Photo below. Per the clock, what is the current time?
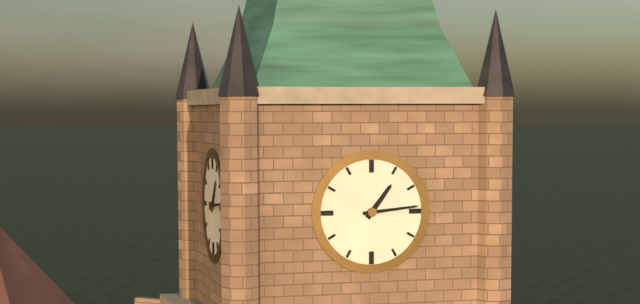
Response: 1:14
